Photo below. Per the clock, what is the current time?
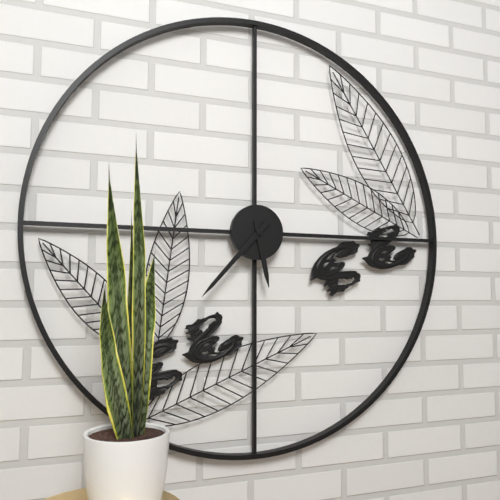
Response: 5:37
